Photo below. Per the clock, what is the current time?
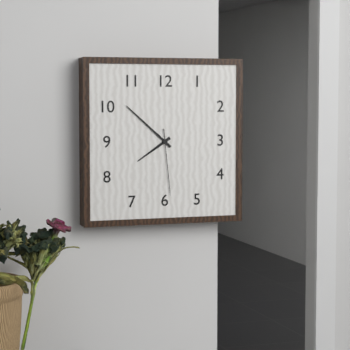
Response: 7:52:29
